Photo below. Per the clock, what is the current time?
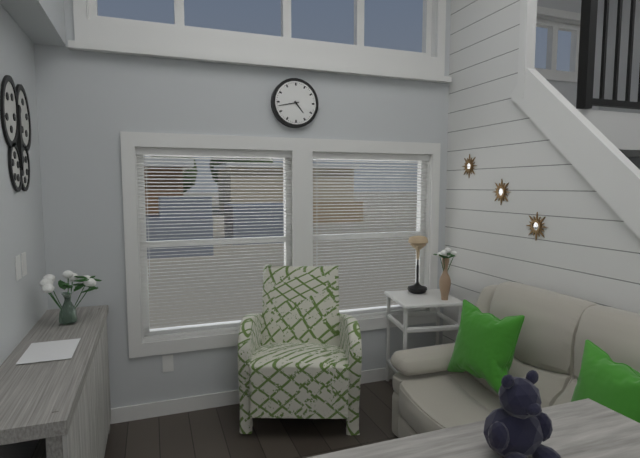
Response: 4:43
